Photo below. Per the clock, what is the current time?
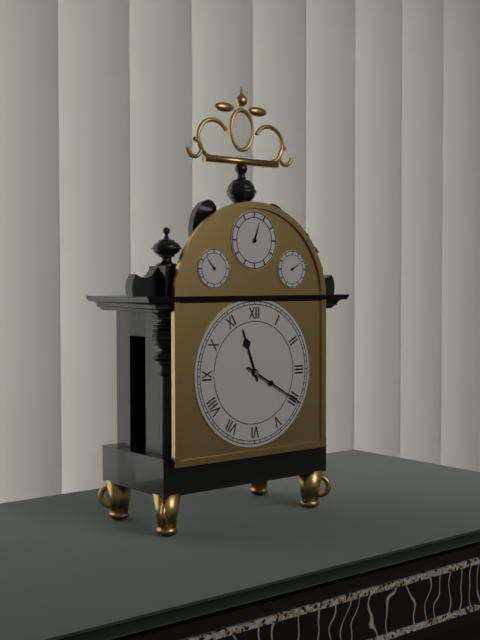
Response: 11:20
